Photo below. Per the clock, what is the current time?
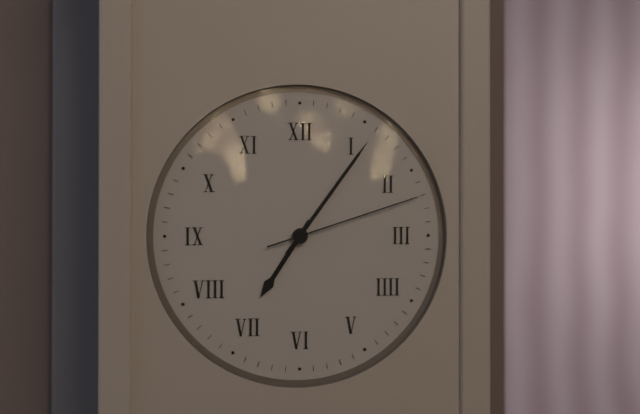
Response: 7:06:12
